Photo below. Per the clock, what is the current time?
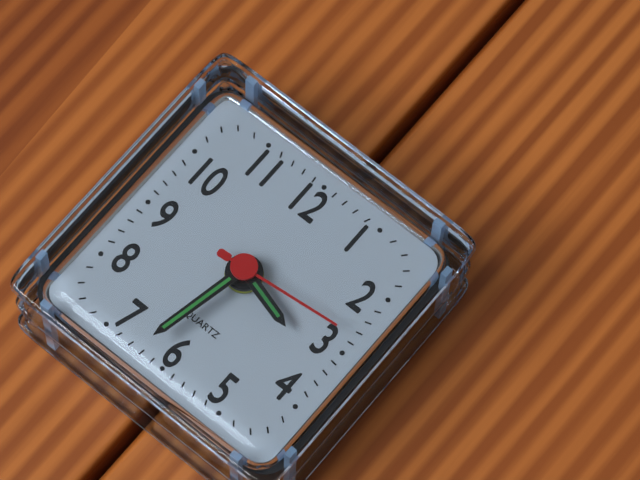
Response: 3:32:14
